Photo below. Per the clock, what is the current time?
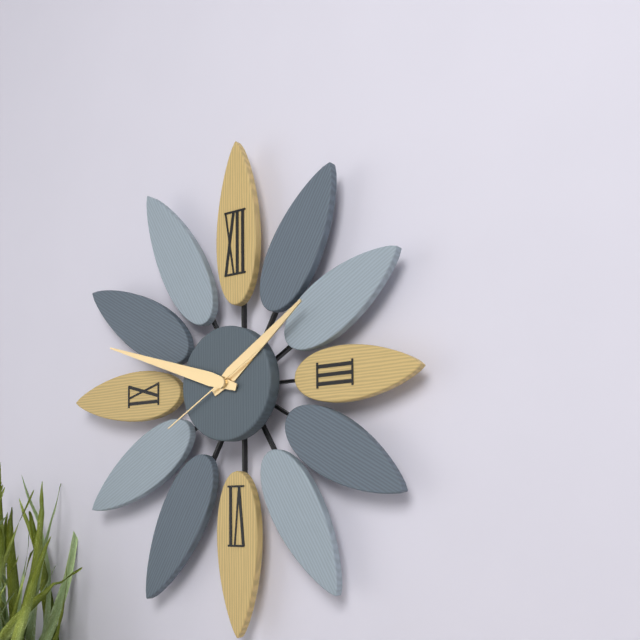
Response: 1:48:40
